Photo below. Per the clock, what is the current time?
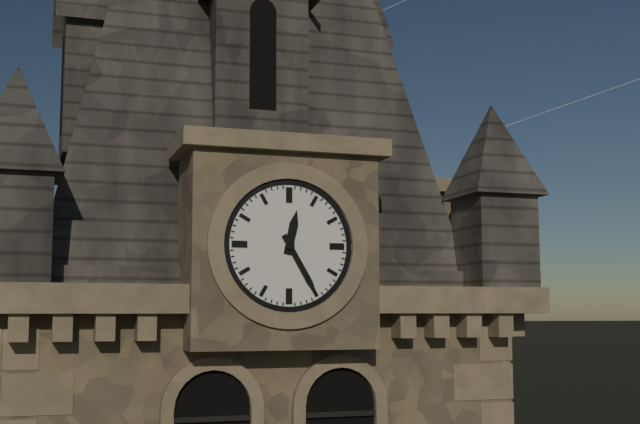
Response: 12:25
